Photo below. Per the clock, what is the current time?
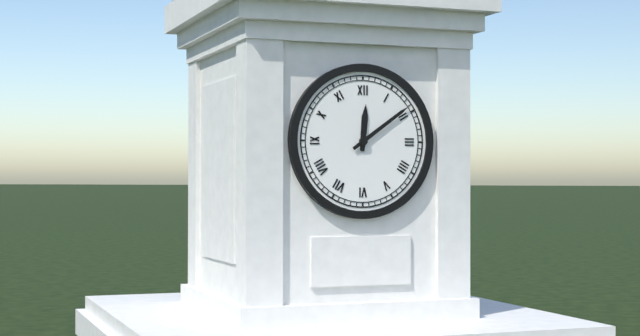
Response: 12:09
